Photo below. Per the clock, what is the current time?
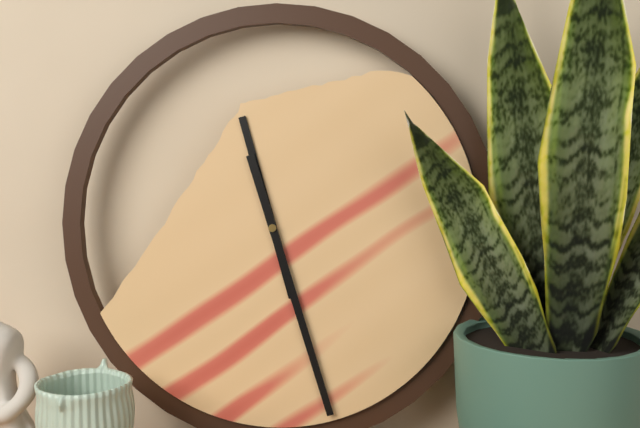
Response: 11:27
